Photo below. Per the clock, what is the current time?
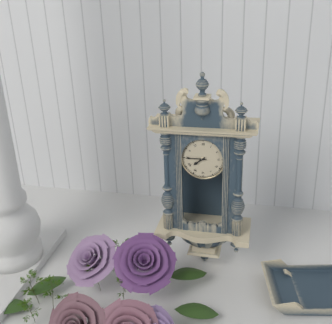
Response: 7:45
